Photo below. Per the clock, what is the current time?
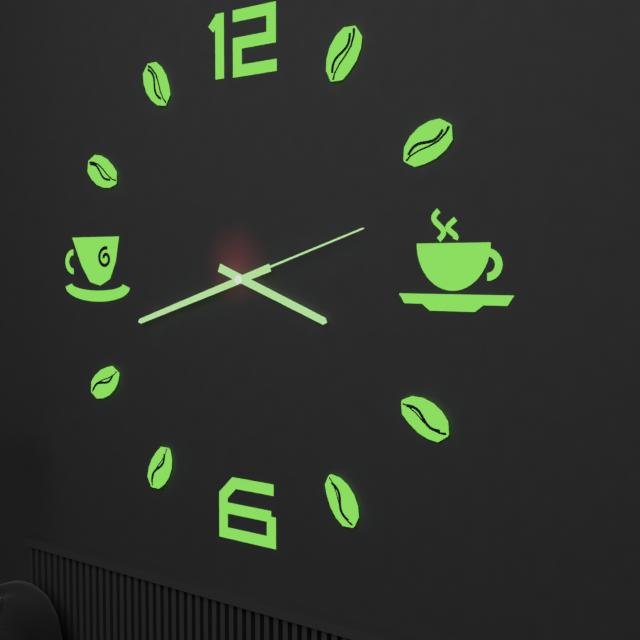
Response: 3:42:12
